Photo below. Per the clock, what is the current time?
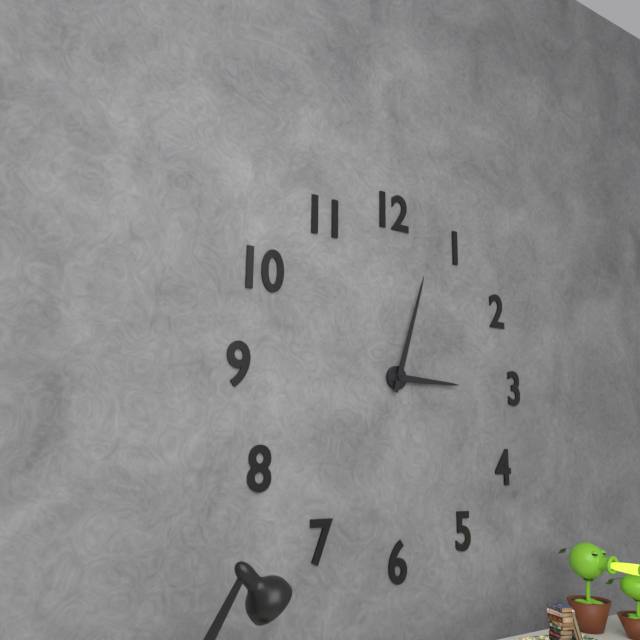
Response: 3:03
